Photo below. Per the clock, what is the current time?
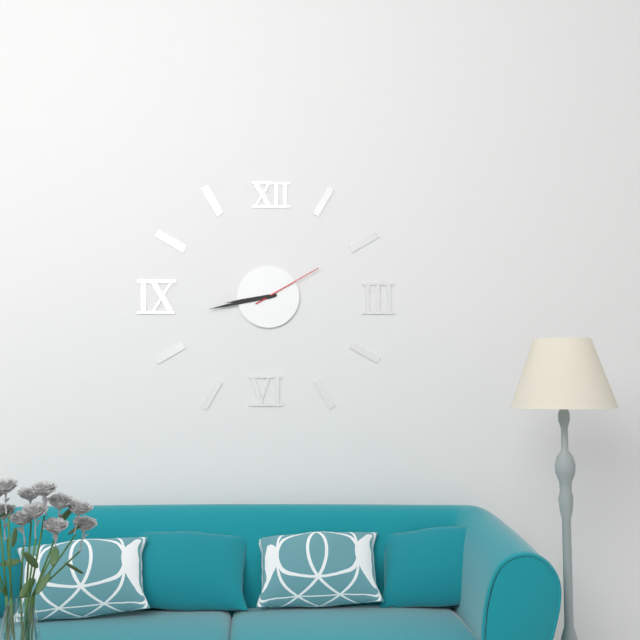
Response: 8:43:10
